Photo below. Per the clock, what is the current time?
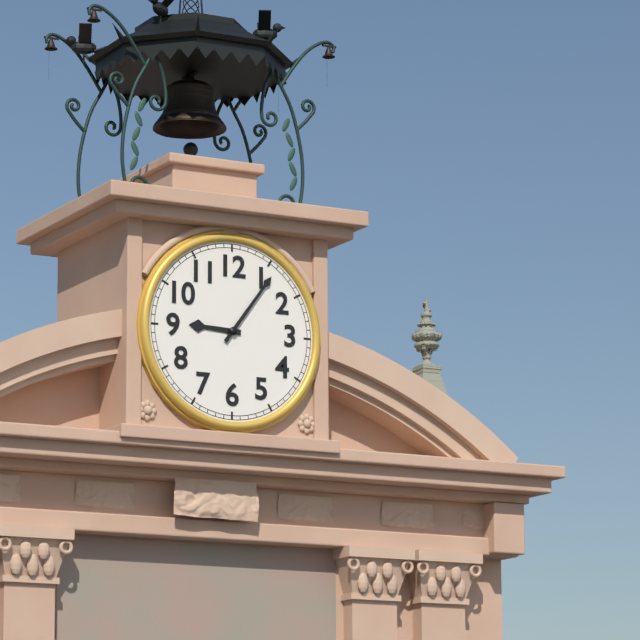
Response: 9:06
